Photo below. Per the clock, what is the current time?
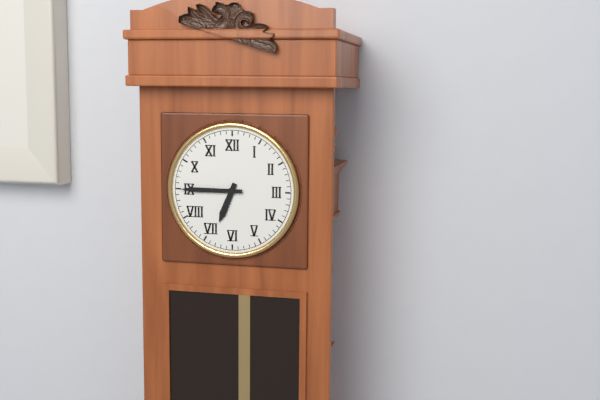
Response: 6:45
